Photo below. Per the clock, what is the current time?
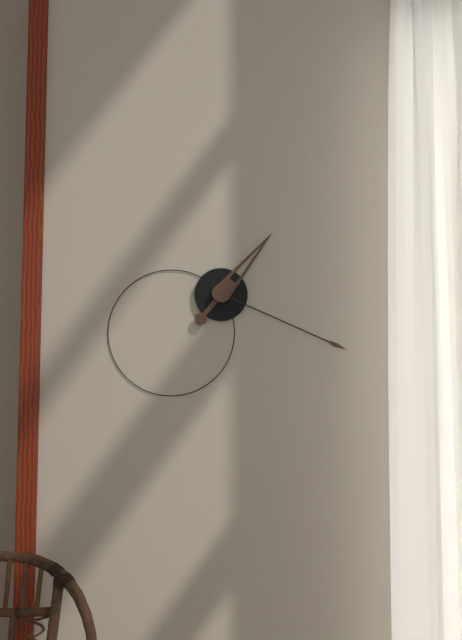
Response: 1:19
